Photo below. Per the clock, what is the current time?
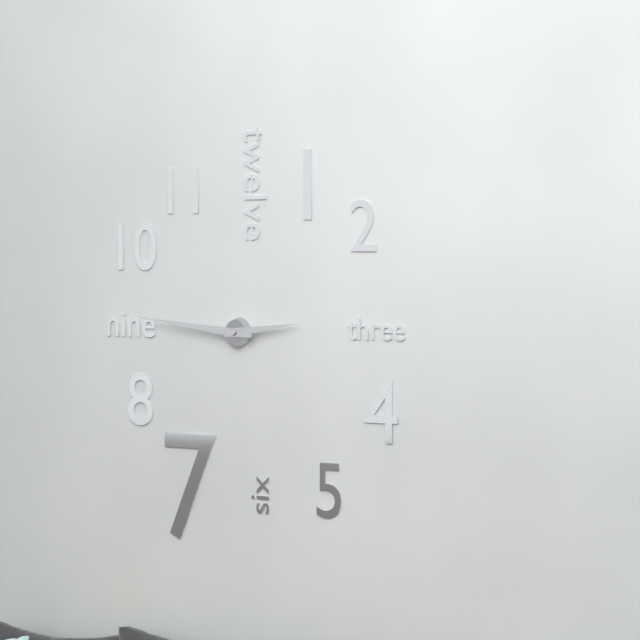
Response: 2:46
